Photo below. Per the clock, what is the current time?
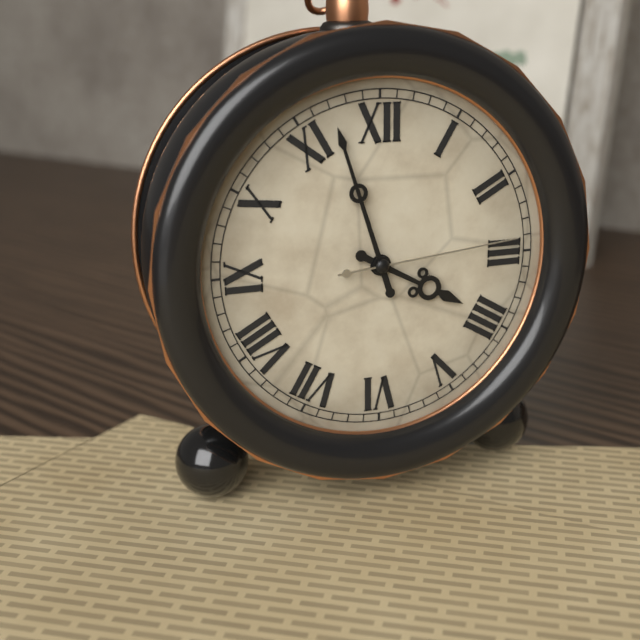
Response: 3:57:14
